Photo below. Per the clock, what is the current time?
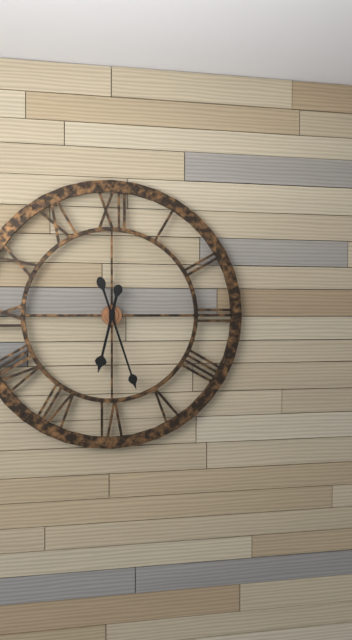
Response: 6:27
